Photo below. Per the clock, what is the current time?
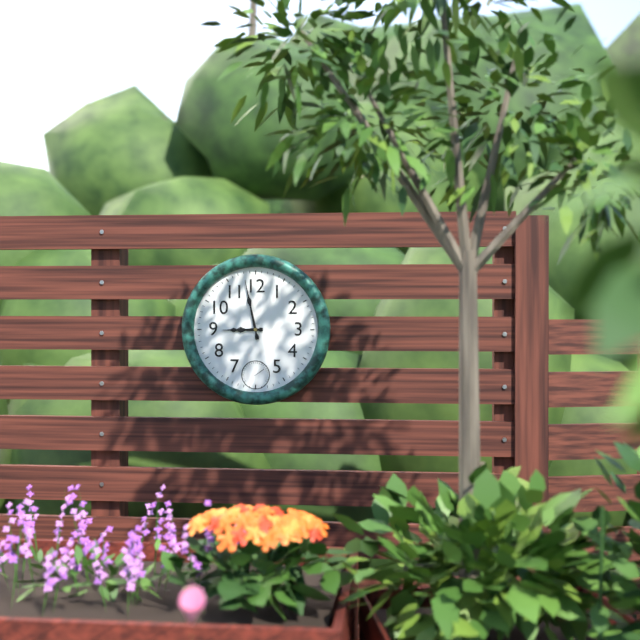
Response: 8:58
